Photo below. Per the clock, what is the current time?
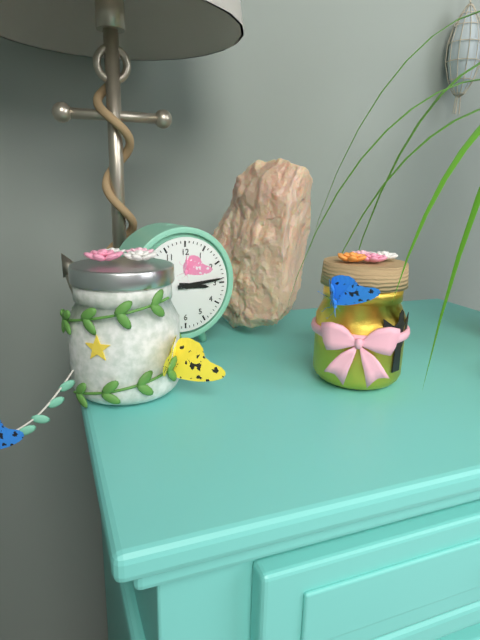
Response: 3:14
